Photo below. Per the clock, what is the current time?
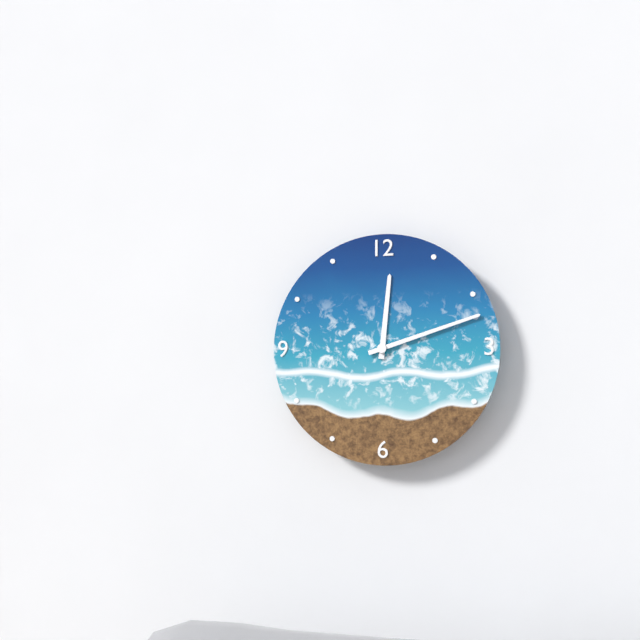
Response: 12:12
